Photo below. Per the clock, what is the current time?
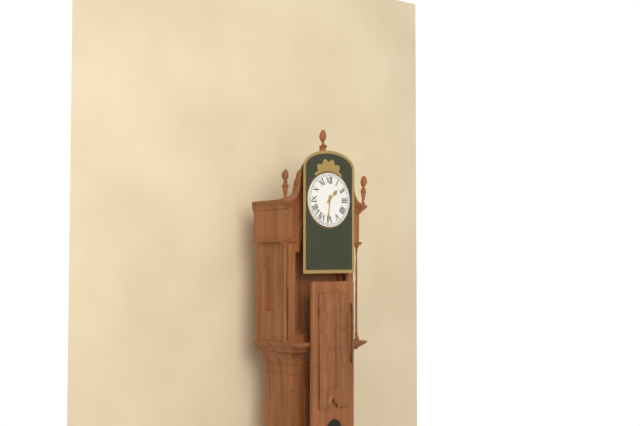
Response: 1:31
